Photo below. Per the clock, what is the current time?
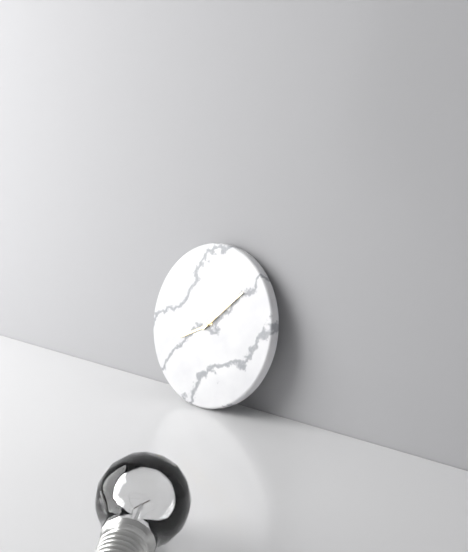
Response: 8:08
